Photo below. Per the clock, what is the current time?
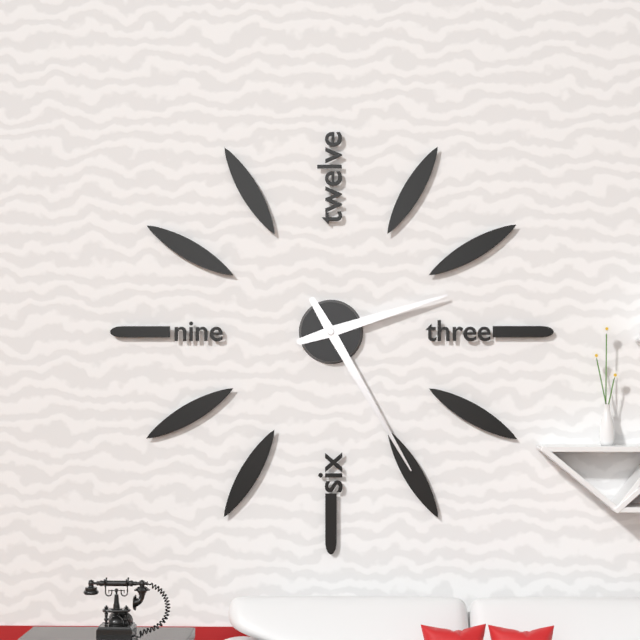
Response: 2:25
